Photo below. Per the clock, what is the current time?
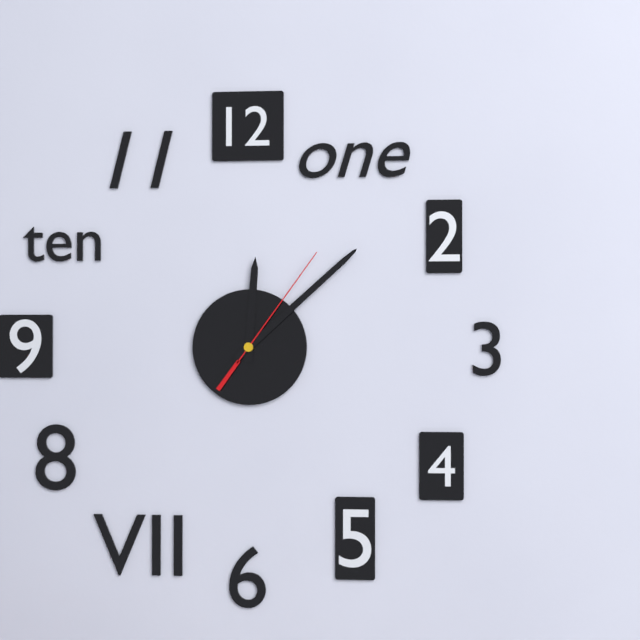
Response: 12:08:06
